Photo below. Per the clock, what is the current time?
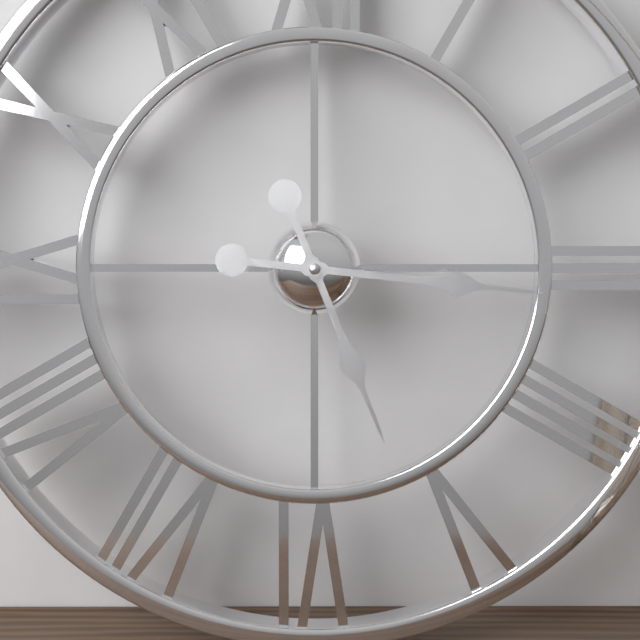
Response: 5:16
